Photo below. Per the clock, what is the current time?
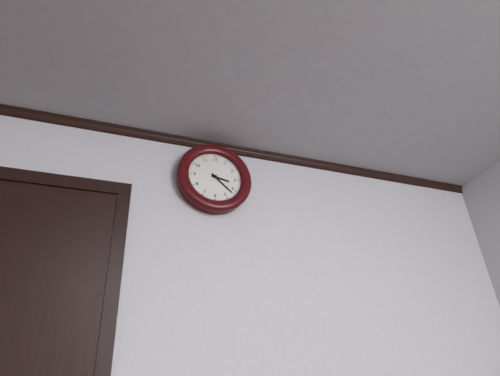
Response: 3:22
